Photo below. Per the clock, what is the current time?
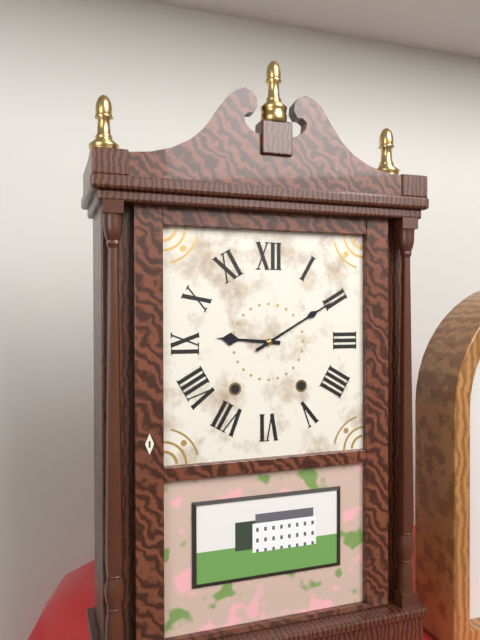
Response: 9:10
